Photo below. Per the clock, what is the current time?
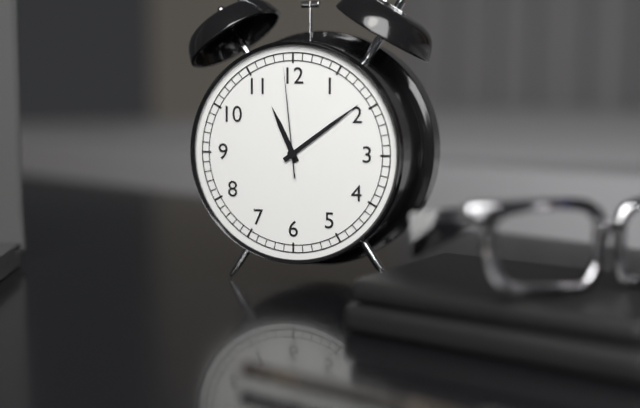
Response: 11:09:59
